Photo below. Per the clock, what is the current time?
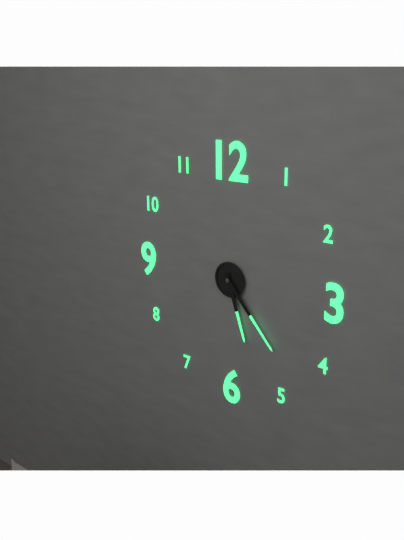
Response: 5:23
